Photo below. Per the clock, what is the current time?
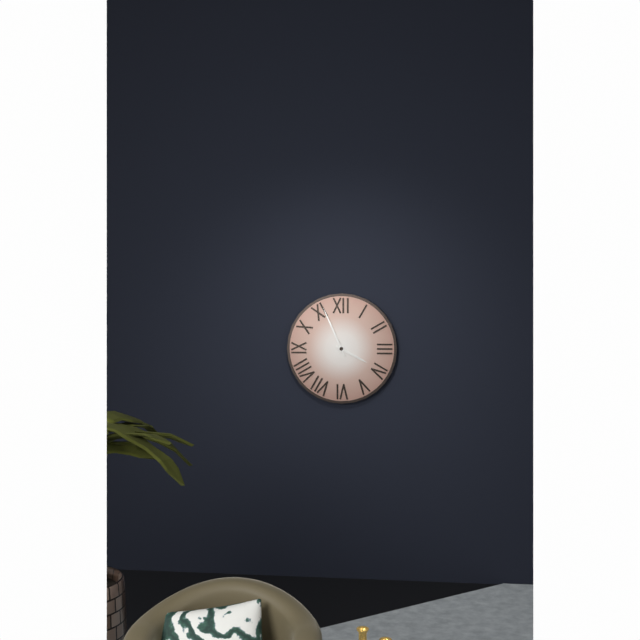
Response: 3:56
